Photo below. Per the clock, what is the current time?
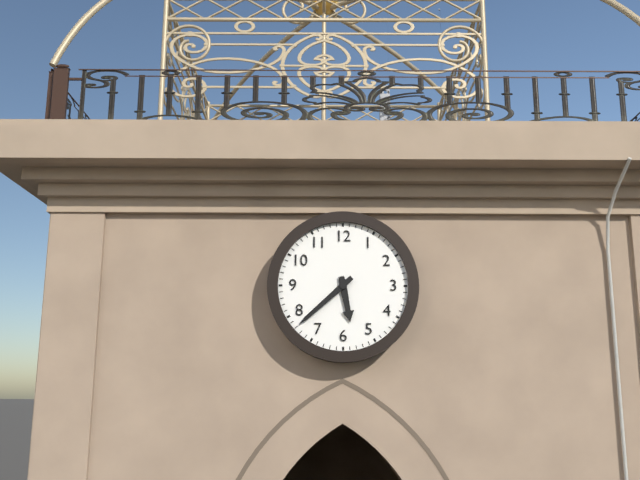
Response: 5:38
